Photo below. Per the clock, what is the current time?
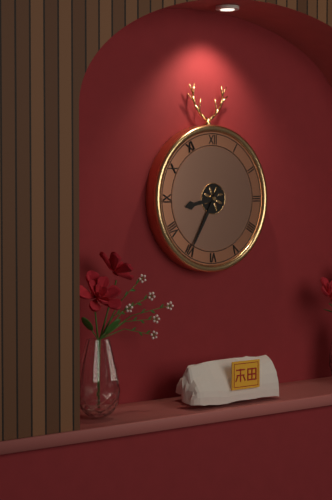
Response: 8:35
